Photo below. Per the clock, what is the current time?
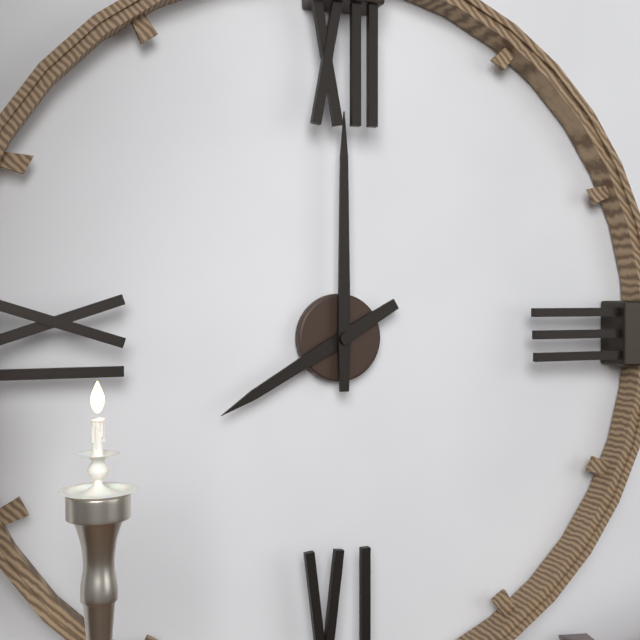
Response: 8:00
